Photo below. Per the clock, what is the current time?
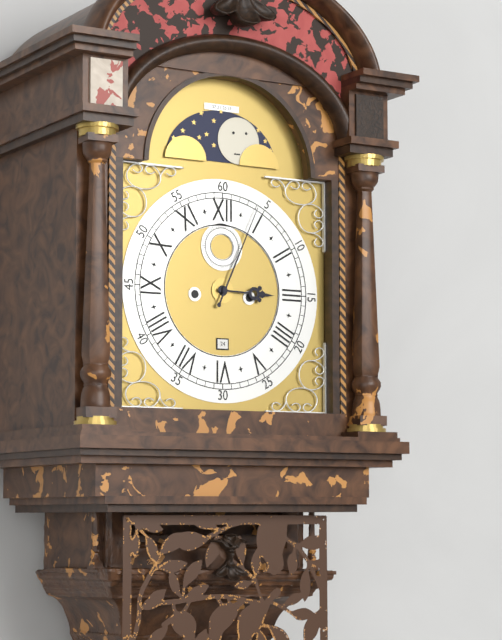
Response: 3:04
